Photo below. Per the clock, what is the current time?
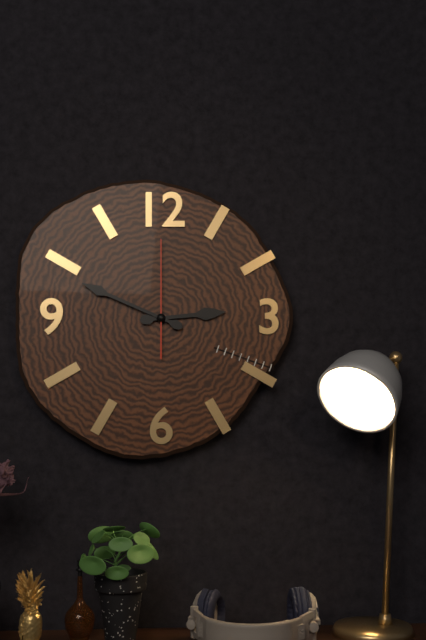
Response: 2:49:00
